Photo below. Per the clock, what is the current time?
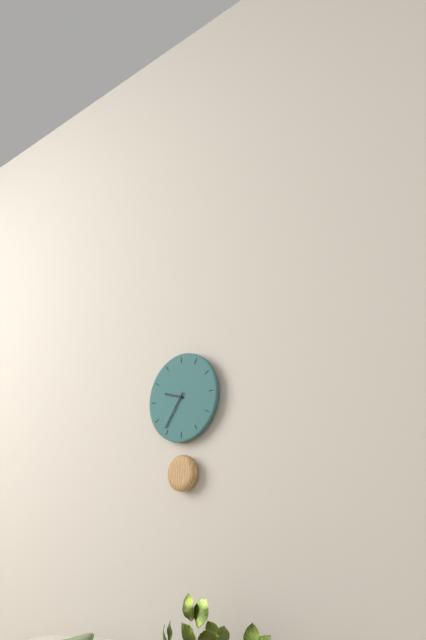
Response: 9:36
